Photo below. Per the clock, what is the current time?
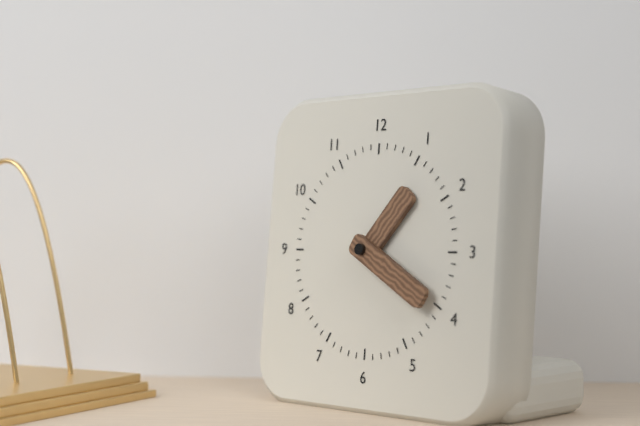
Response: 1:20
